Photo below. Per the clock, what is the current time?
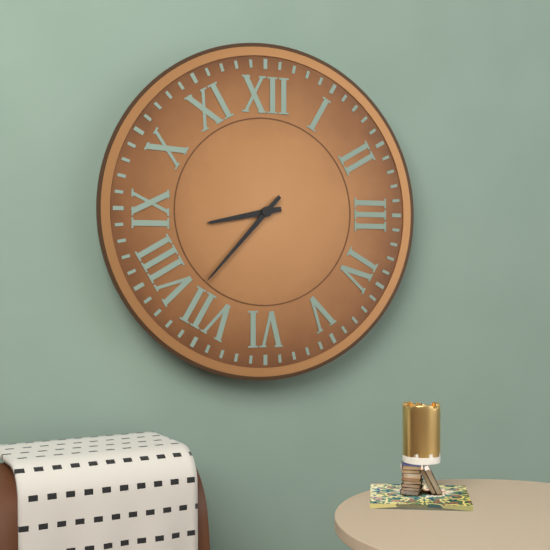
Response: 8:37
